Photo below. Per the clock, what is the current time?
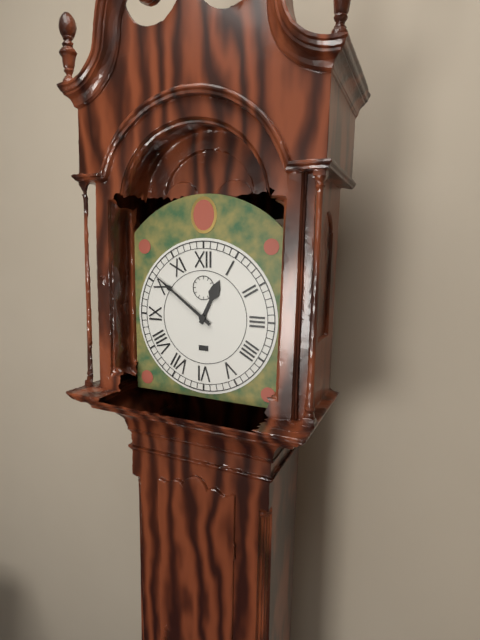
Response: 12:51
